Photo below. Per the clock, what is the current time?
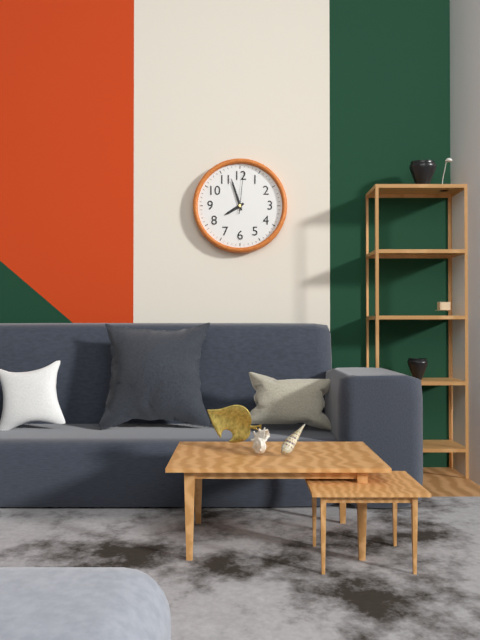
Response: 7:57
